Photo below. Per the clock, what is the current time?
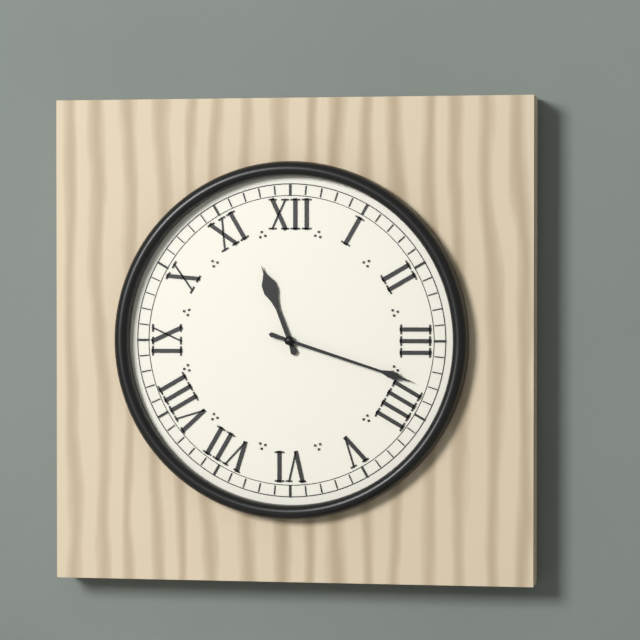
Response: 11:18
